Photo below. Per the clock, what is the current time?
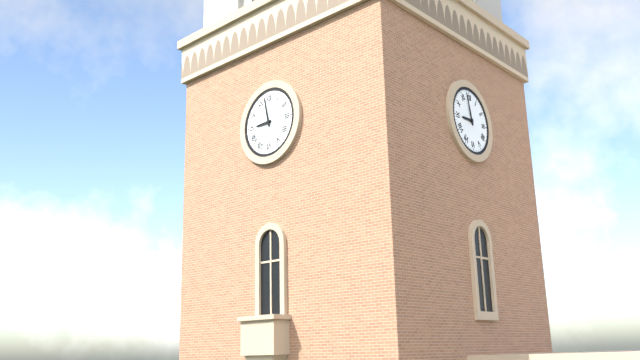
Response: 8:58
